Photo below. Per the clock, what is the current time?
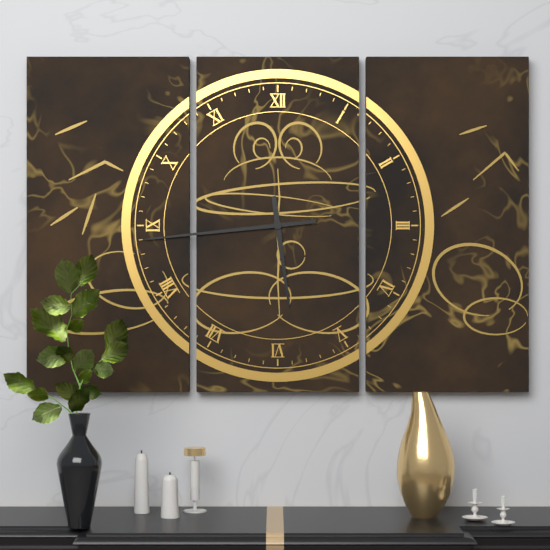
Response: 5:44
